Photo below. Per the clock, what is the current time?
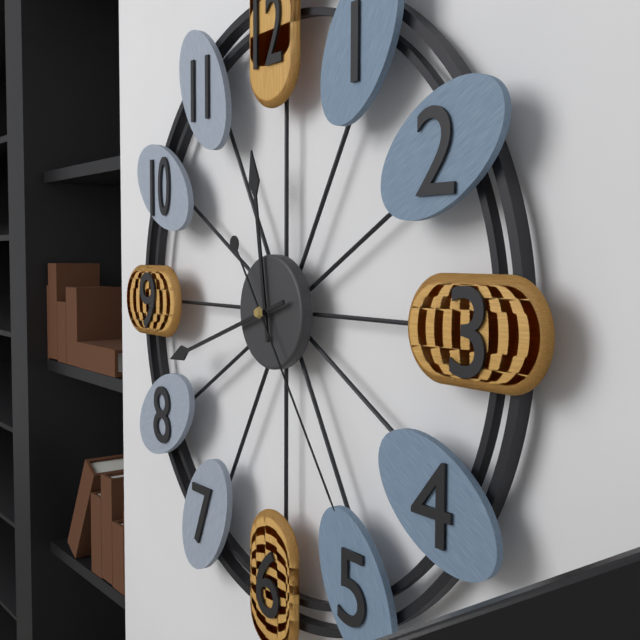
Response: 11:42:24
